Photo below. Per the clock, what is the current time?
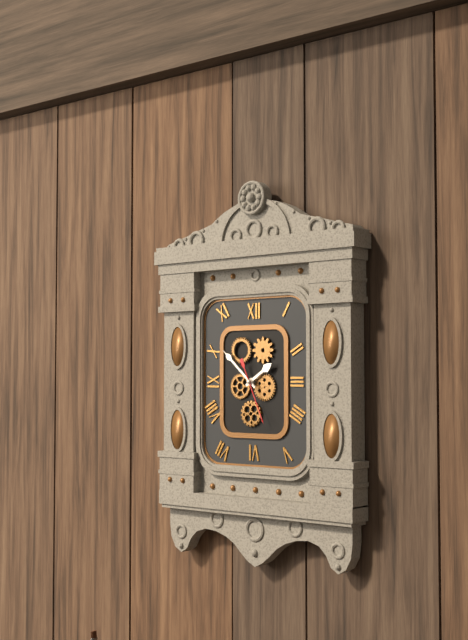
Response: 1:52:26
